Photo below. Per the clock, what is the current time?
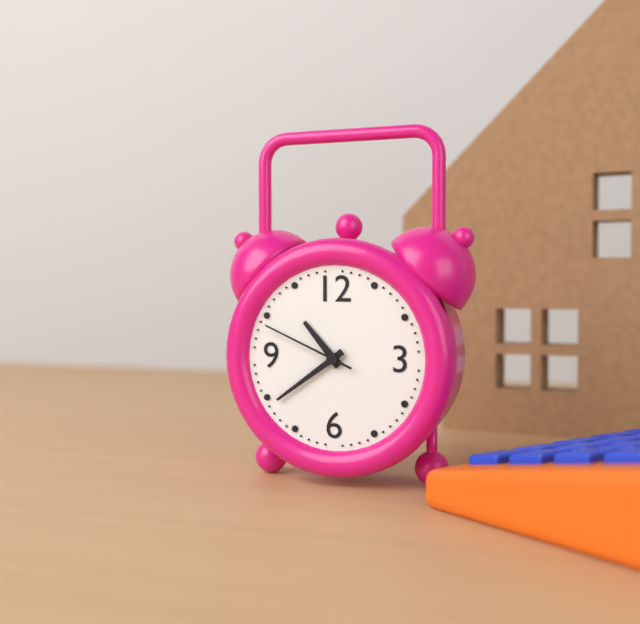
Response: 10:39:49
